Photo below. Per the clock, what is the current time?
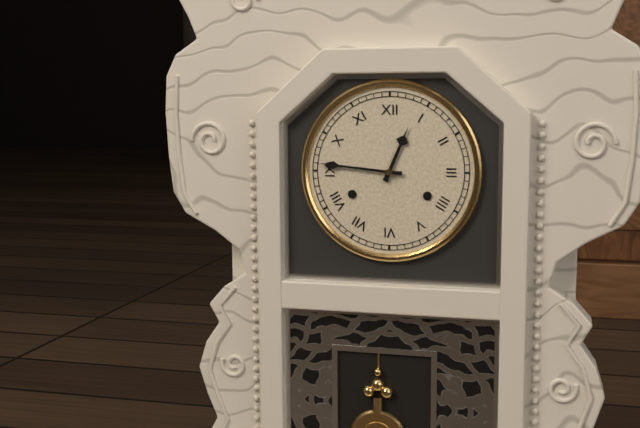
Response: 12:46
